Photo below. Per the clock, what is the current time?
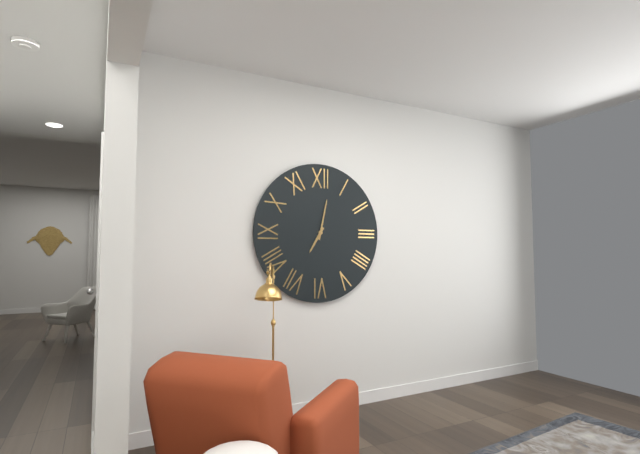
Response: 7:02
